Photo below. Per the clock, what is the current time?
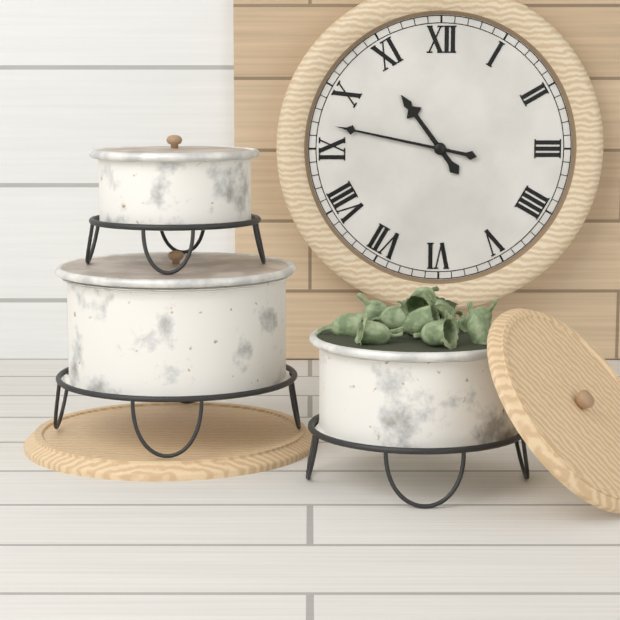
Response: 10:47
